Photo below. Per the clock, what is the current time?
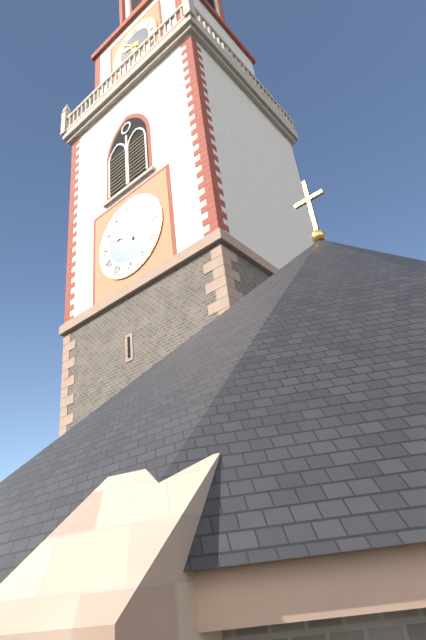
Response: 9:53
